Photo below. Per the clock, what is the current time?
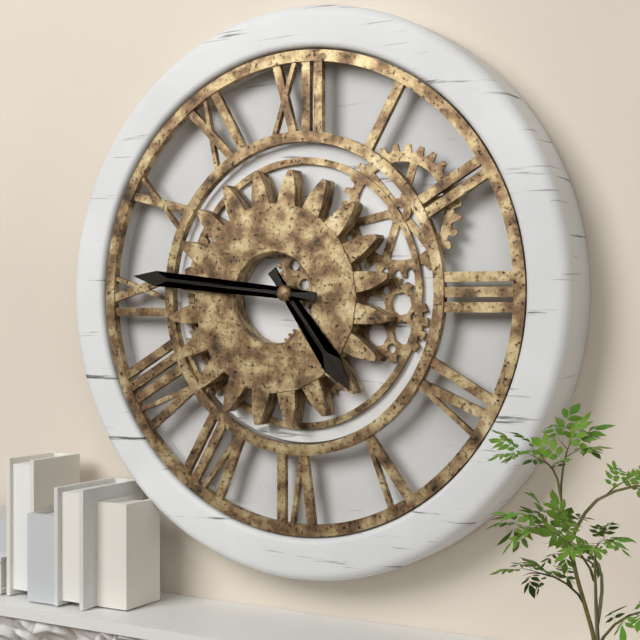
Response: 4:46
